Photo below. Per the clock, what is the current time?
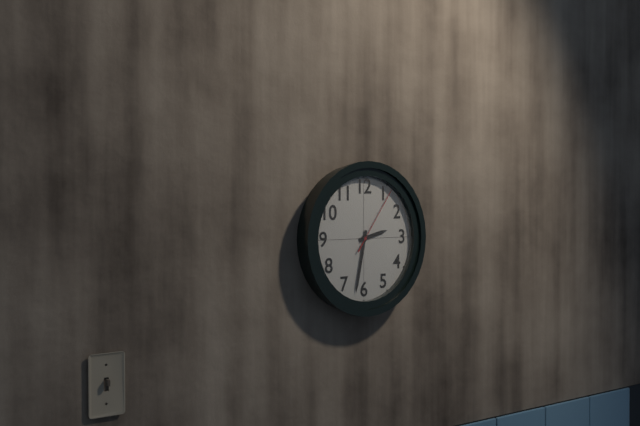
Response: 2:32:06
